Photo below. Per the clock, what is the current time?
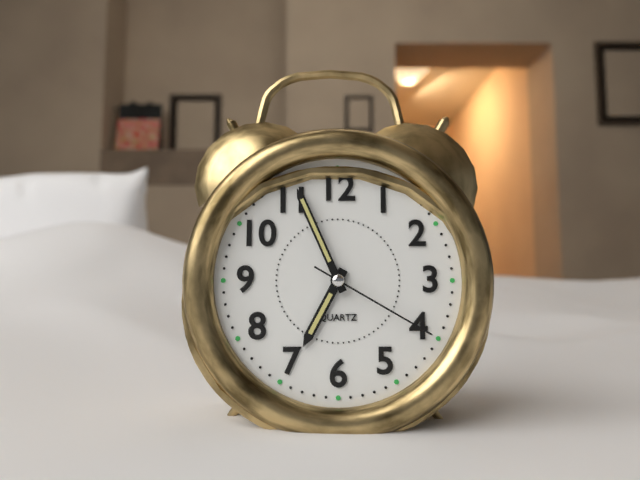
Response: 6:56:20
